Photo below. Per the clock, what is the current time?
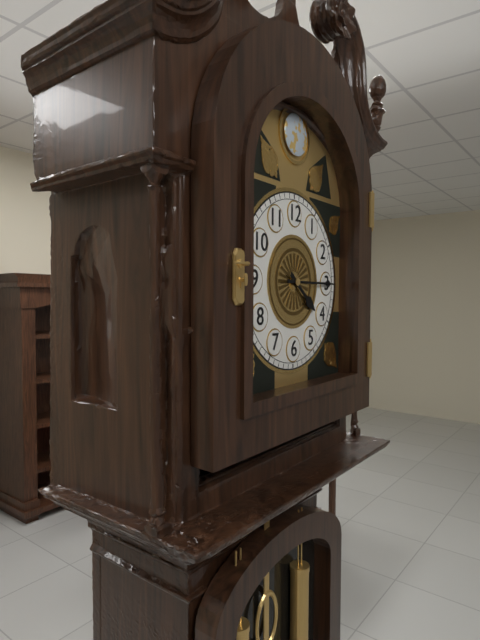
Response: 4:15
